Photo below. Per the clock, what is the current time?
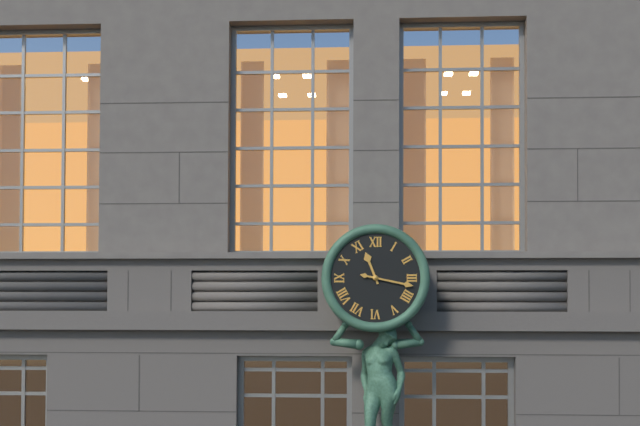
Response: 11:17
